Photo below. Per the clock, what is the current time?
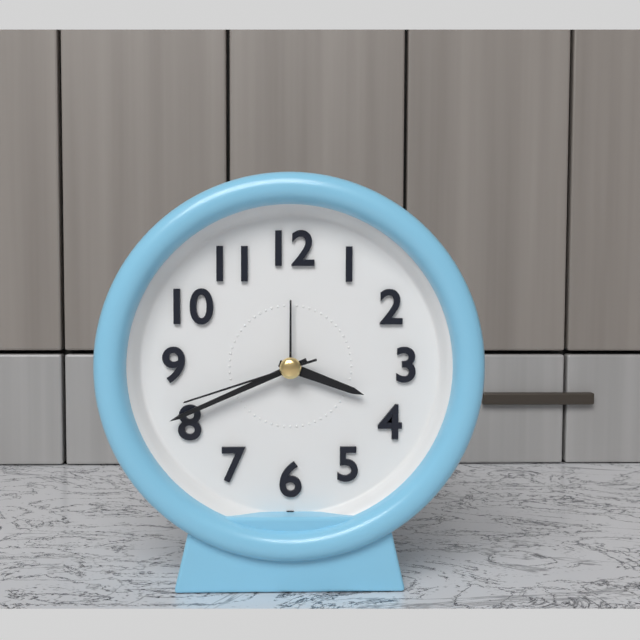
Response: 3:41:42
